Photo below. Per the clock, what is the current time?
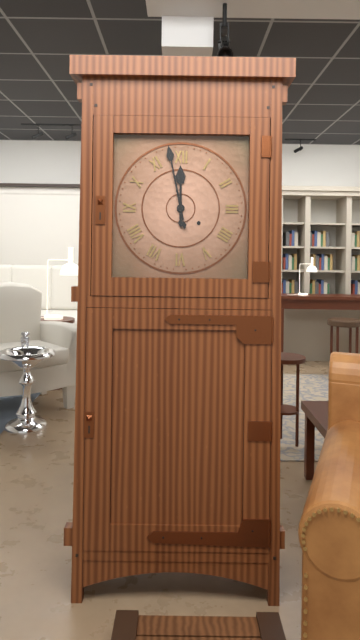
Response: 11:58
